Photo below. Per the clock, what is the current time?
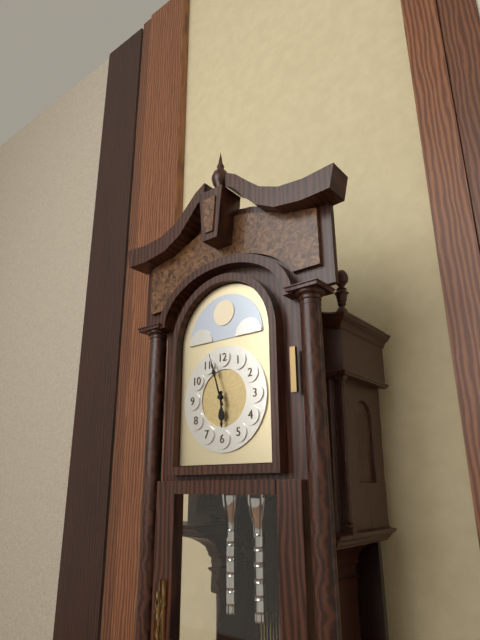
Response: 5:57
